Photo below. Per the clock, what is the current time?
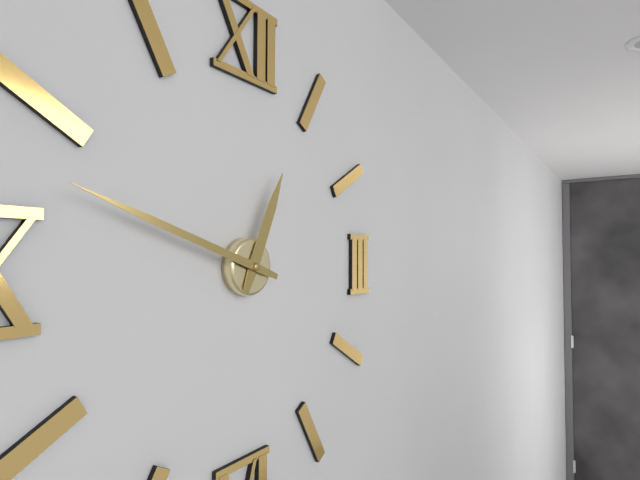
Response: 12:48
